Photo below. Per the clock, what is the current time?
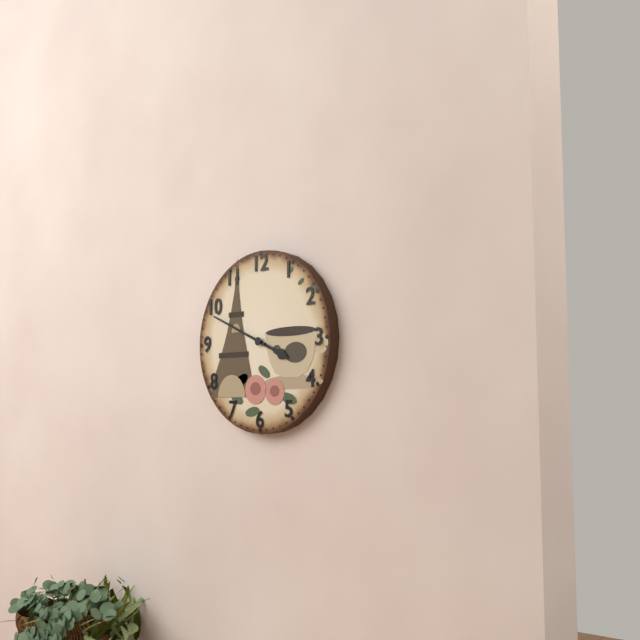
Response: 3:49
